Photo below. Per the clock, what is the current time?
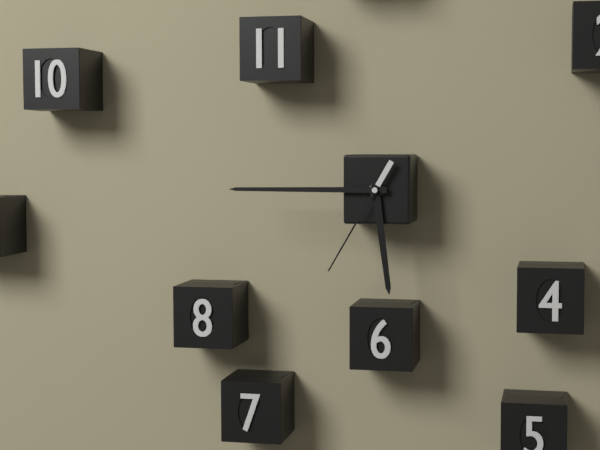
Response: 5:45:35
